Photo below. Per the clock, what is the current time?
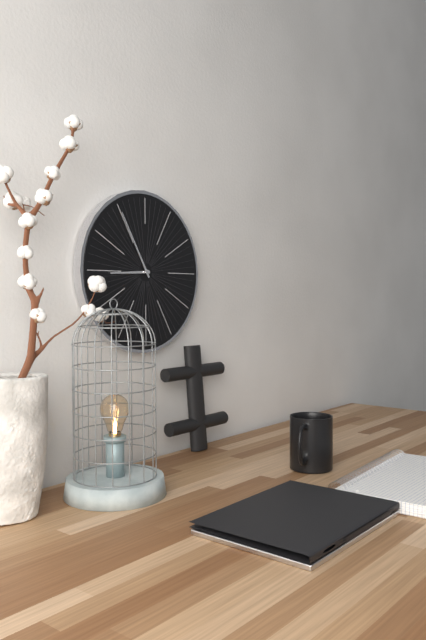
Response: 8:55
